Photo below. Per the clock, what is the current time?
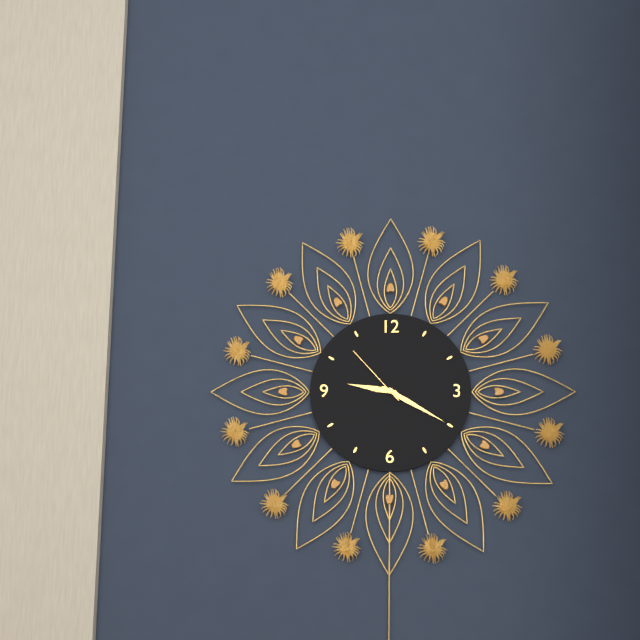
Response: 9:20:53
